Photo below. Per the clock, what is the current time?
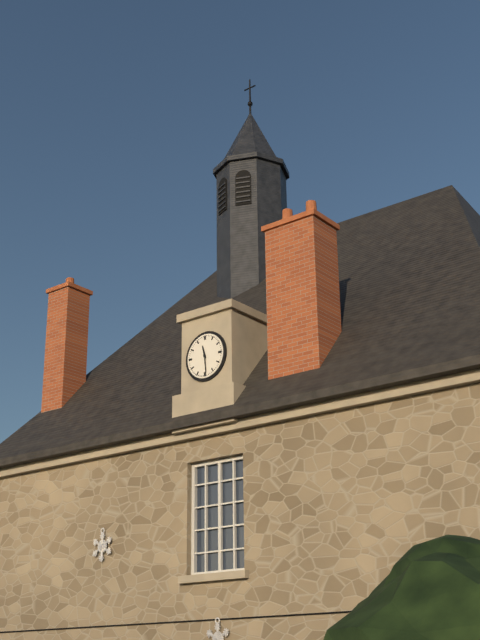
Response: 11:29
